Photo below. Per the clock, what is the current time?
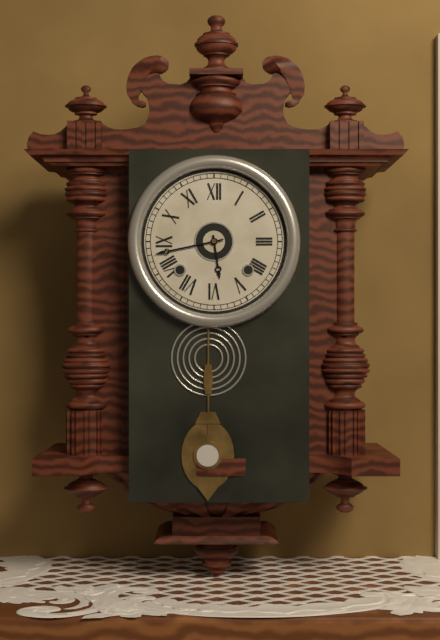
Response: 5:43
